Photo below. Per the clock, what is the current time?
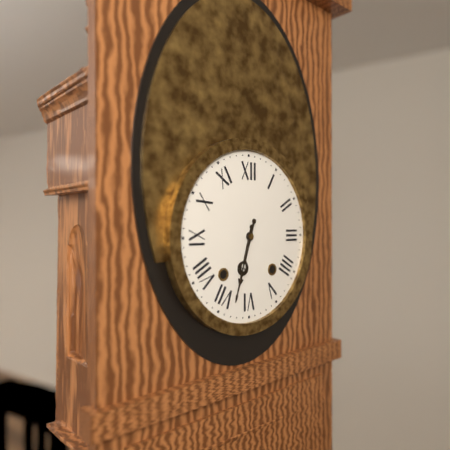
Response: 6:33
